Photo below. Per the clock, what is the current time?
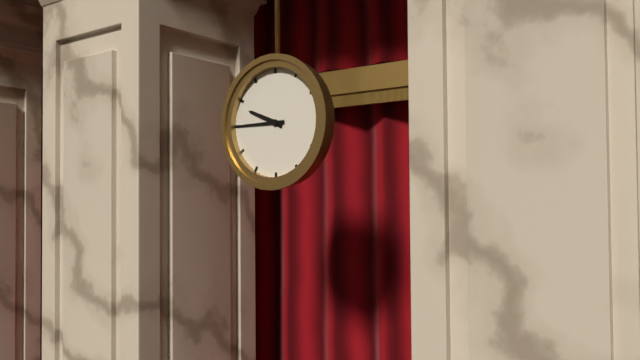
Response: 9:45
